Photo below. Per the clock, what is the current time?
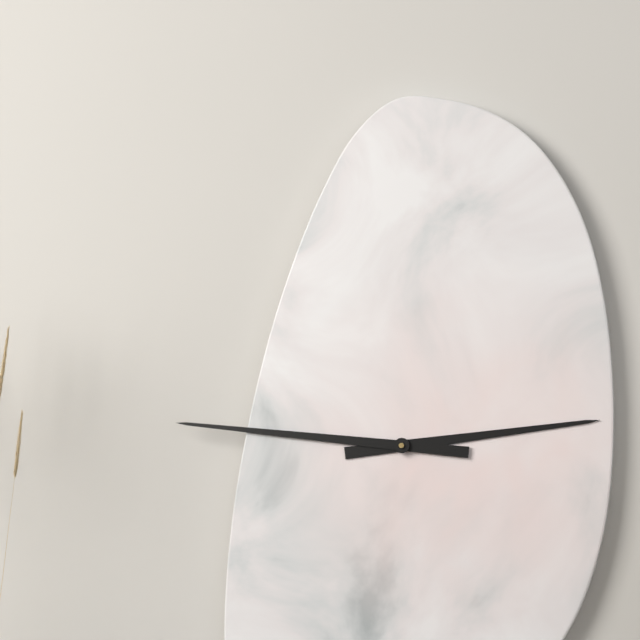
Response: 2:46
